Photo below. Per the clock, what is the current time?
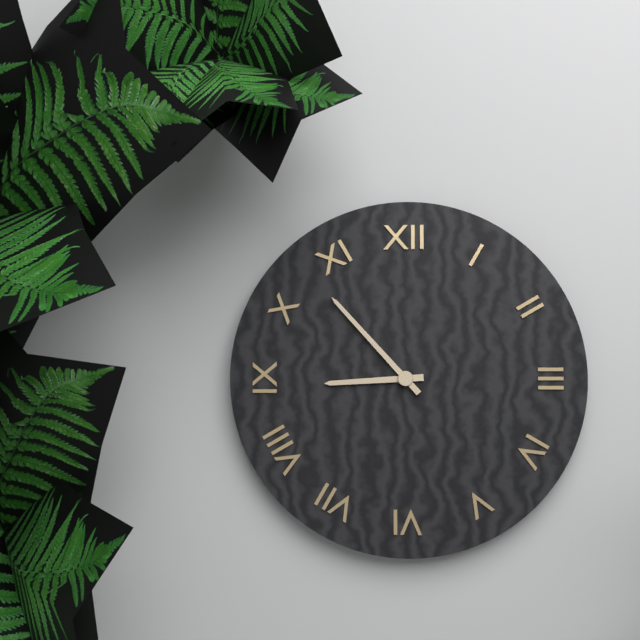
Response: 8:53
